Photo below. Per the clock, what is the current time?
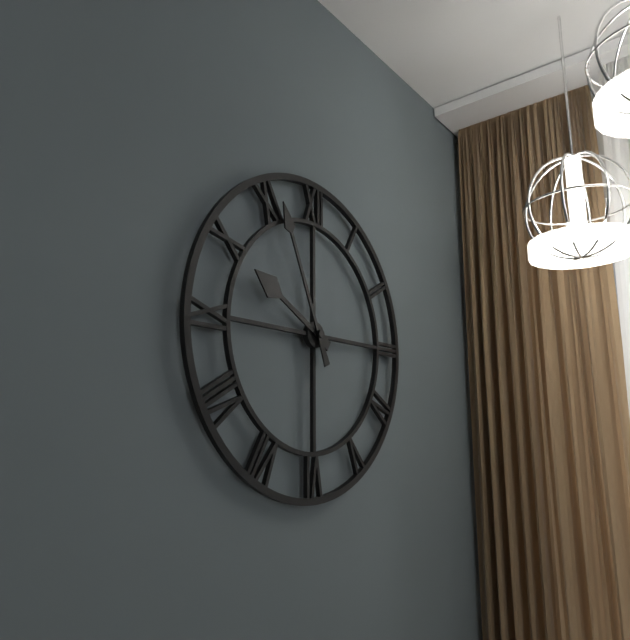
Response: 9:56
